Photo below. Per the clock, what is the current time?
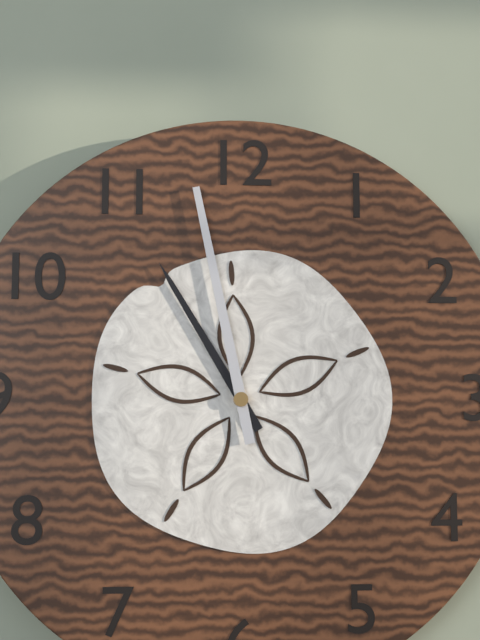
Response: 10:58
